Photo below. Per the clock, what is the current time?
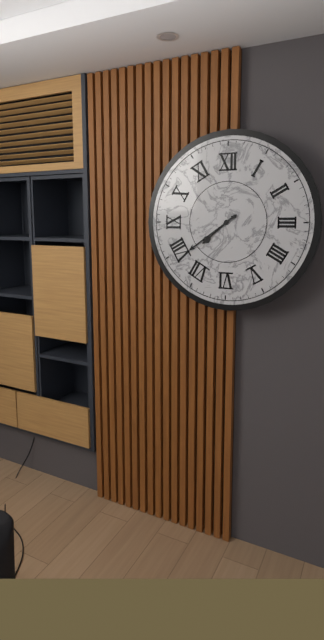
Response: 7:39
